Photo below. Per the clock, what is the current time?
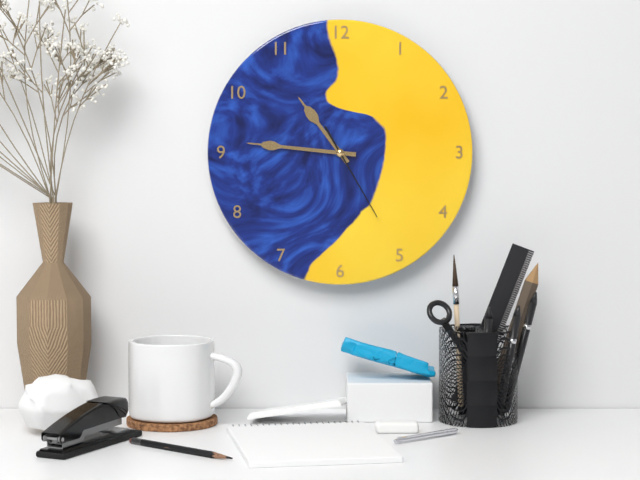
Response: 10:46:25
